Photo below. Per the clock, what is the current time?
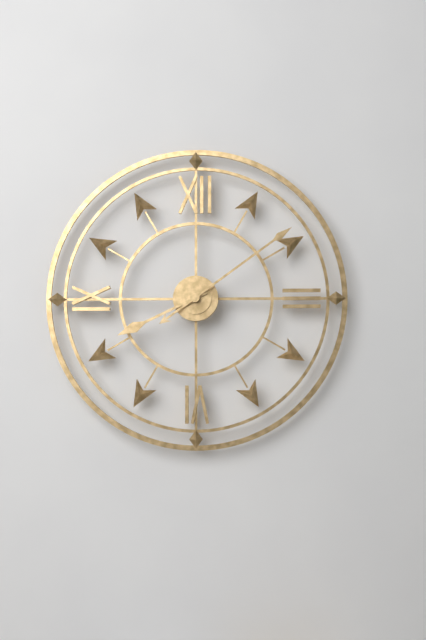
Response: 8:09
